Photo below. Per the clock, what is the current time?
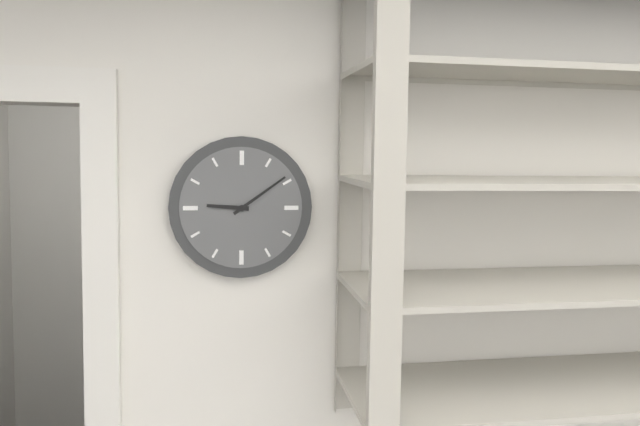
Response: 9:09
